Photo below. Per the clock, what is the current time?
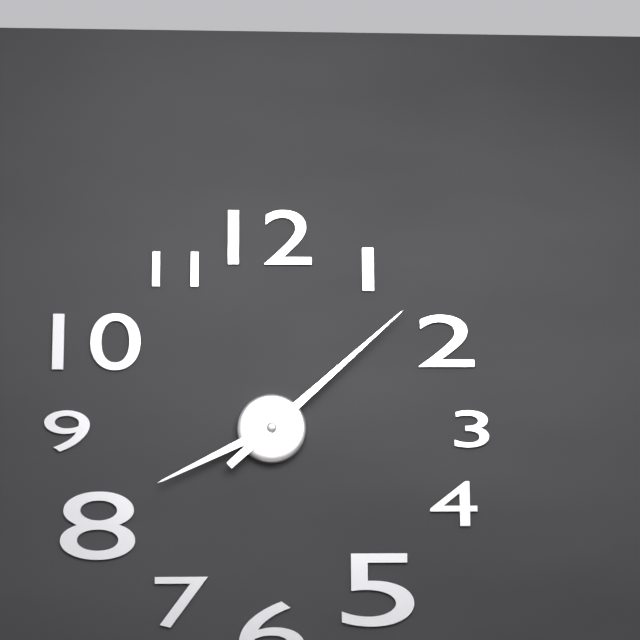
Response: 8:08
